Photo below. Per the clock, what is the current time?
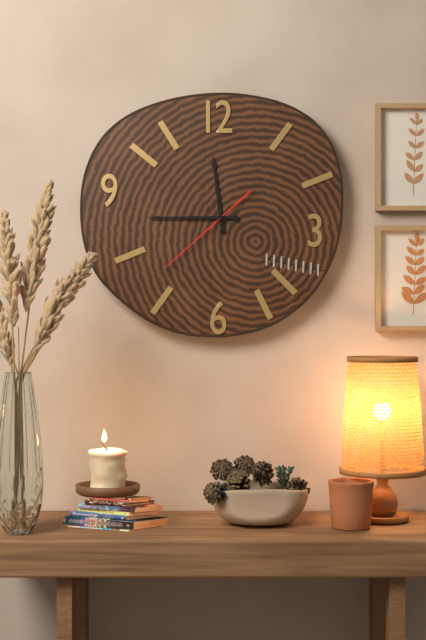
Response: 11:45:38
